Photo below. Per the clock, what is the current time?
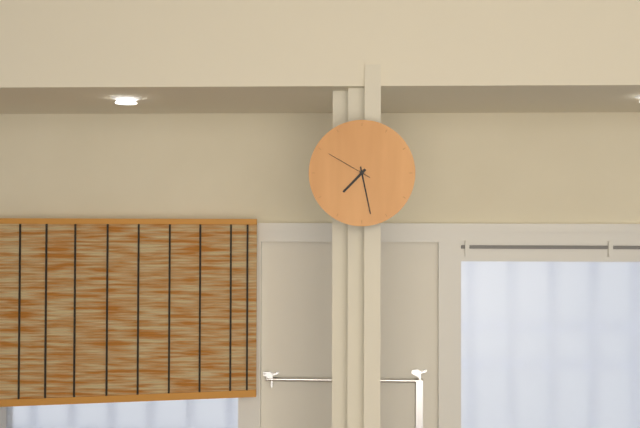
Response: 7:28
